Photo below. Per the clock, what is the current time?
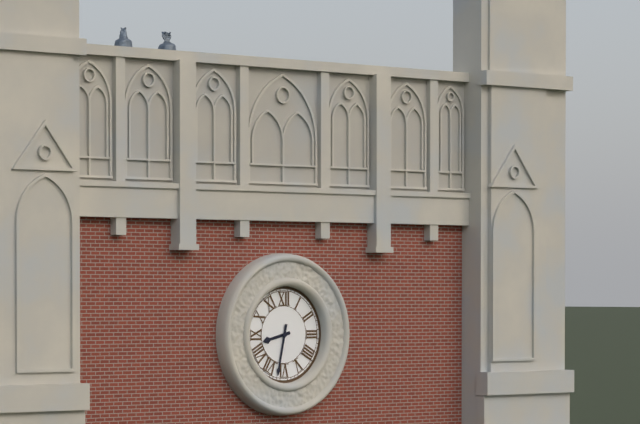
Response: 8:32
